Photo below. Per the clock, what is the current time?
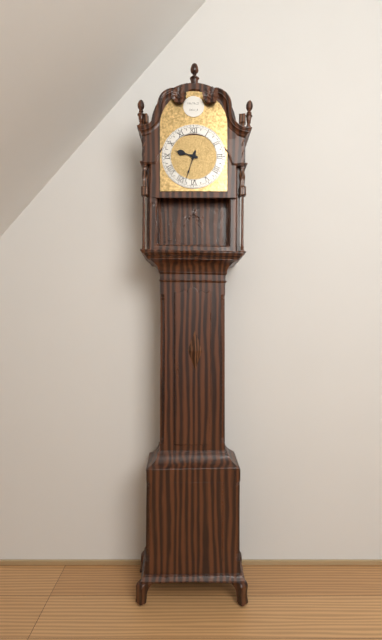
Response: 9:33
